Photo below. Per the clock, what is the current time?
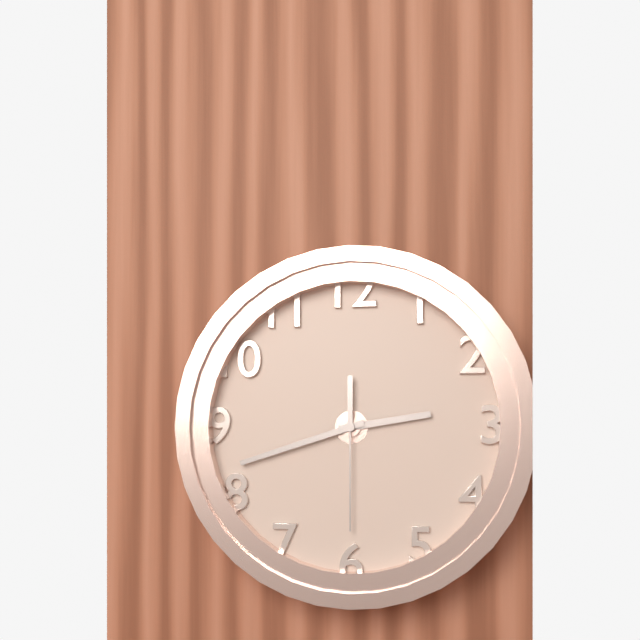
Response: 2:42:30
